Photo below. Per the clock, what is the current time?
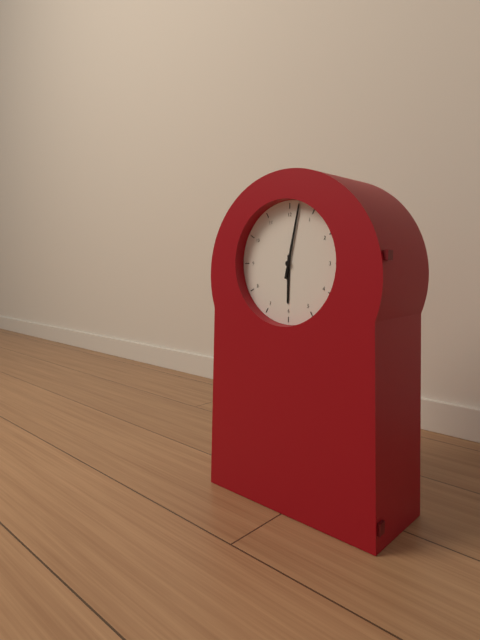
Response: 6:02
